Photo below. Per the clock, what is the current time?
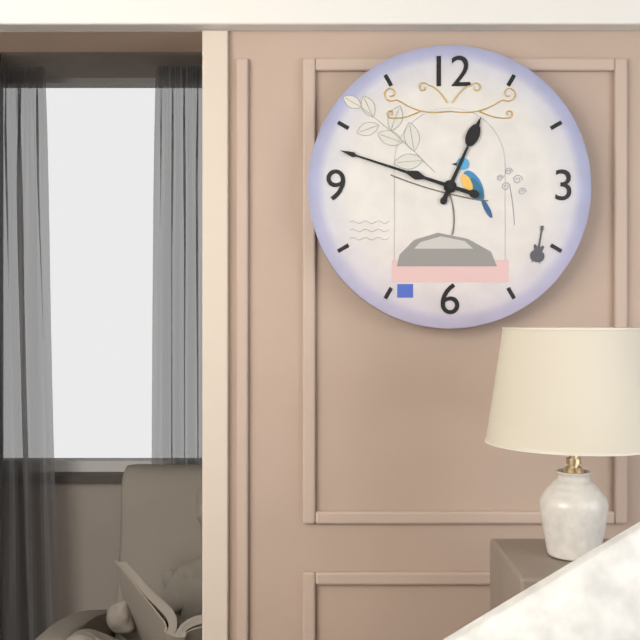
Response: 12:48
